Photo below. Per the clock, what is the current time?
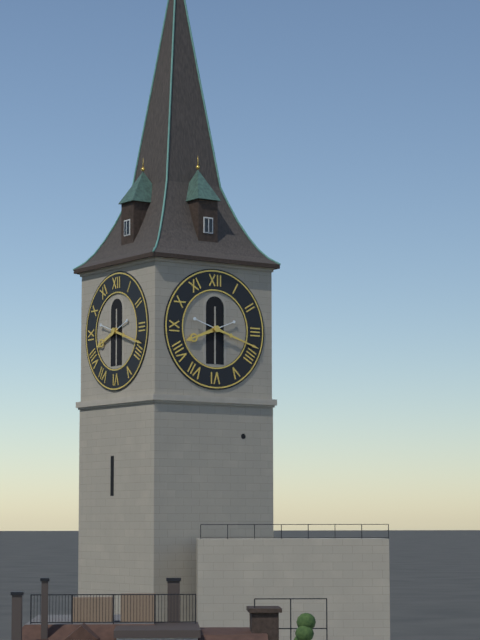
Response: 8:18
